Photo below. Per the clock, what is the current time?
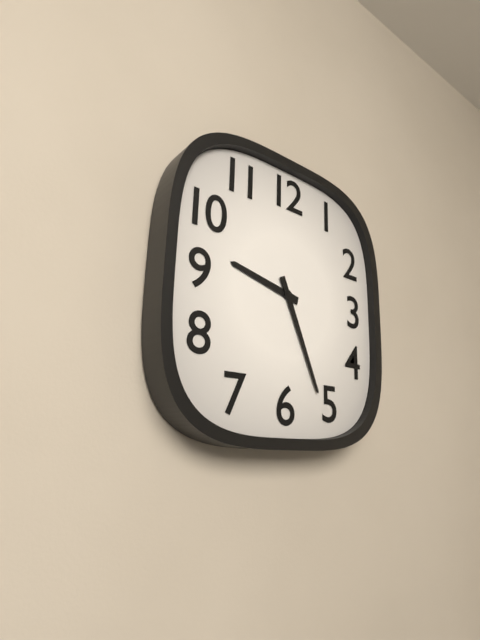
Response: 9:26
